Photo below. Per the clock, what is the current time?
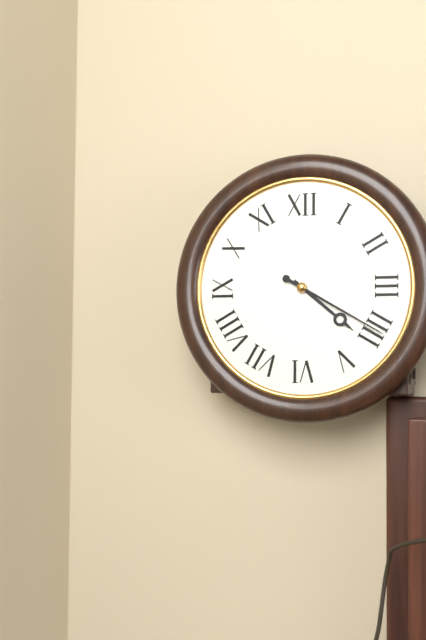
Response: 4:20
